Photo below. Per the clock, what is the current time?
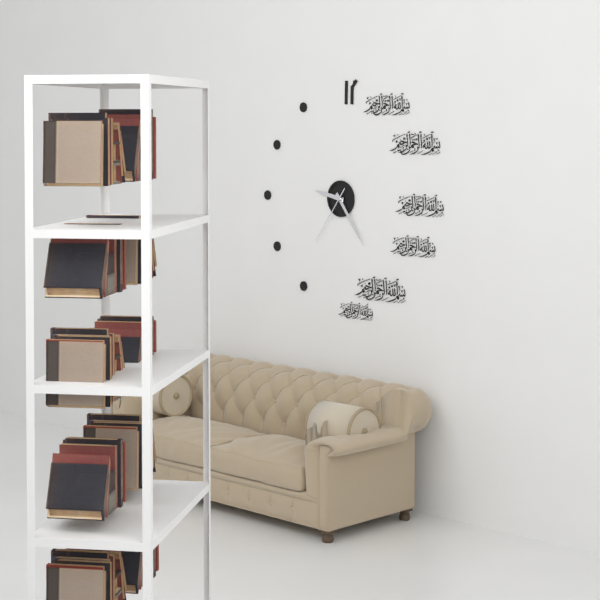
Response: 9:24:36
